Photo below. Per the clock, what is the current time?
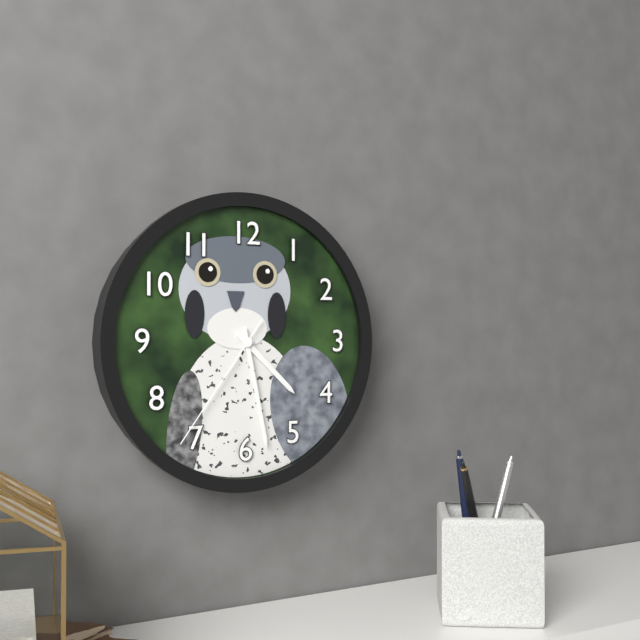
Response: 4:28:36
